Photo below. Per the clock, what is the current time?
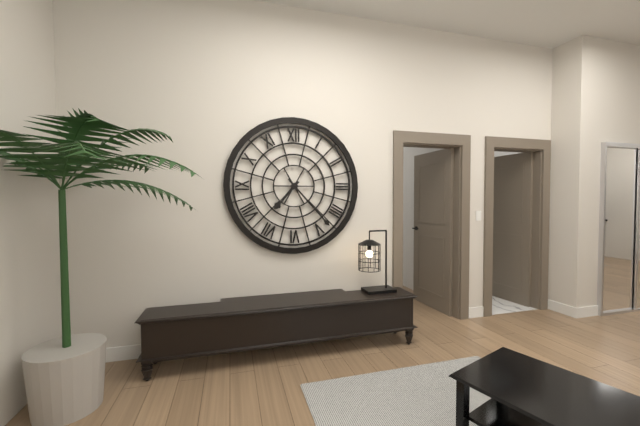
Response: 7:23
